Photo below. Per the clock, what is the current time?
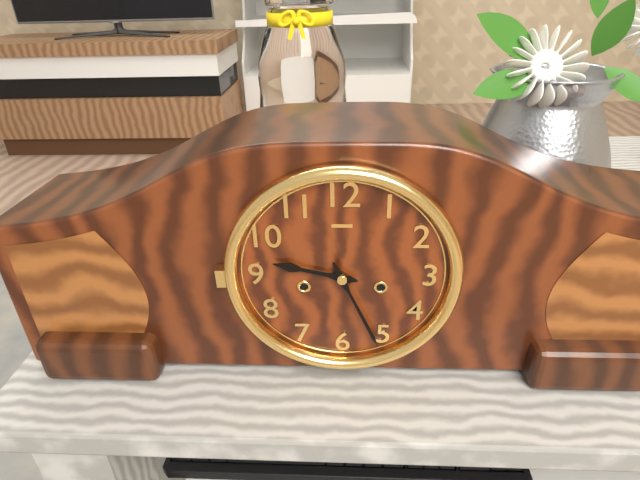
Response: 9:26
